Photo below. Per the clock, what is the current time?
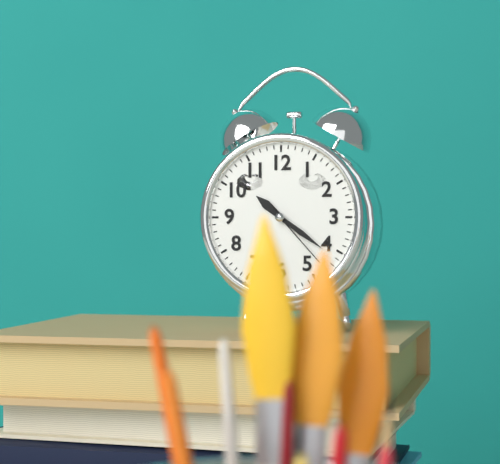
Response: 10:21:23
